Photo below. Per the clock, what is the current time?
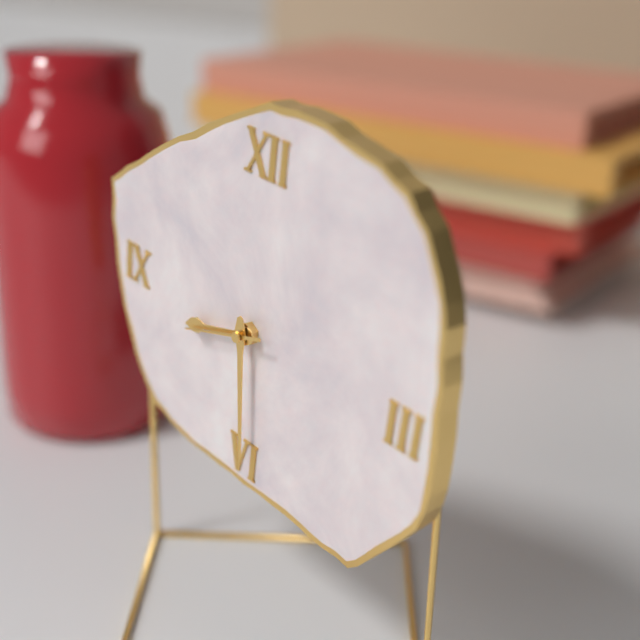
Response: 8:29:42
